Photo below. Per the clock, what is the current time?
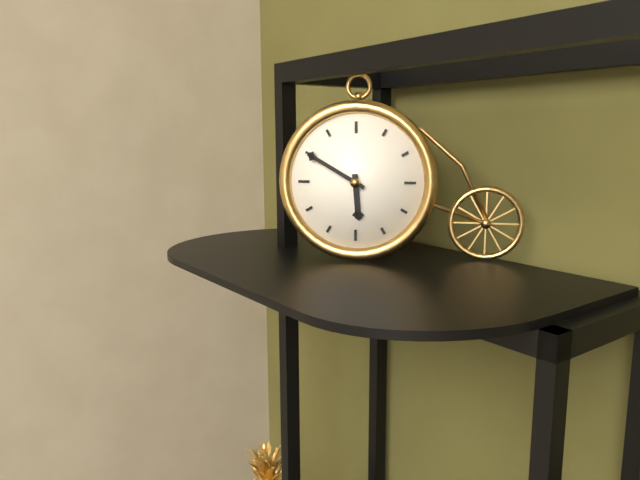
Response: 5:50
